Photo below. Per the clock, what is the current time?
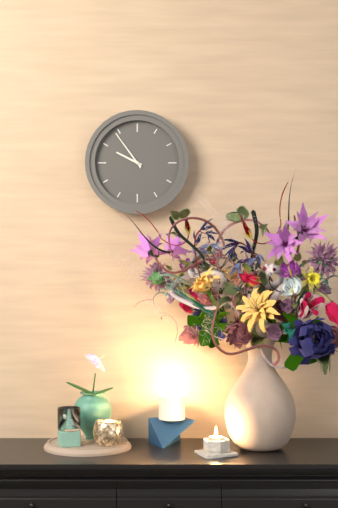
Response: 9:54
